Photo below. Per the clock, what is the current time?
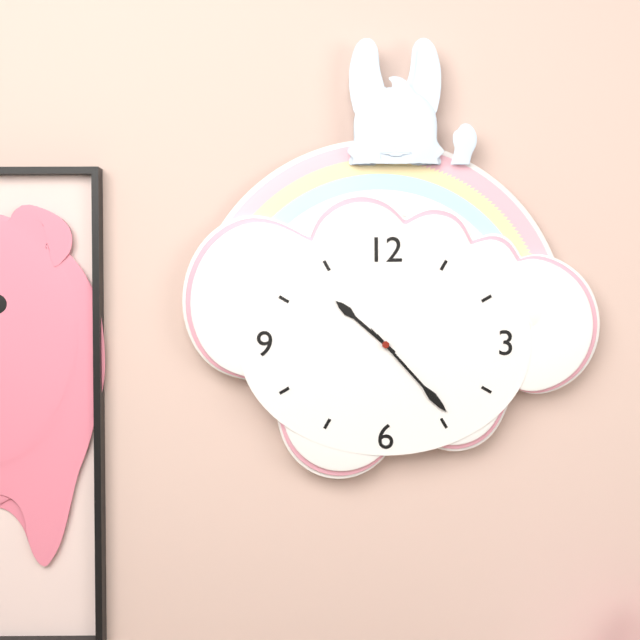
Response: 10:23:23
